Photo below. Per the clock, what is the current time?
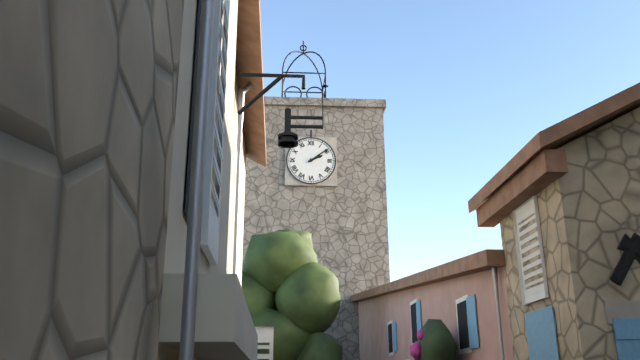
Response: 2:09
